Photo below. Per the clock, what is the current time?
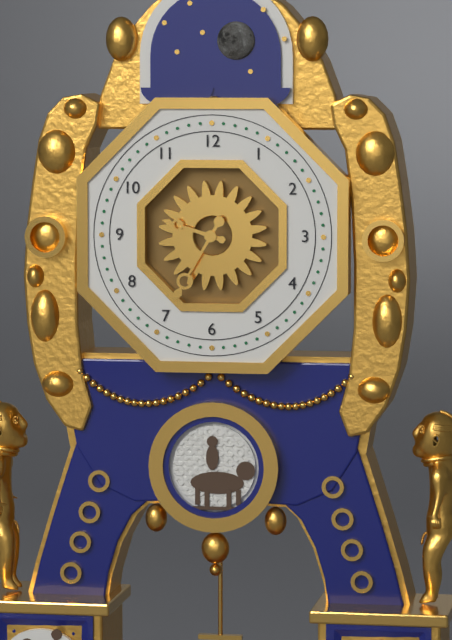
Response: 9:35
